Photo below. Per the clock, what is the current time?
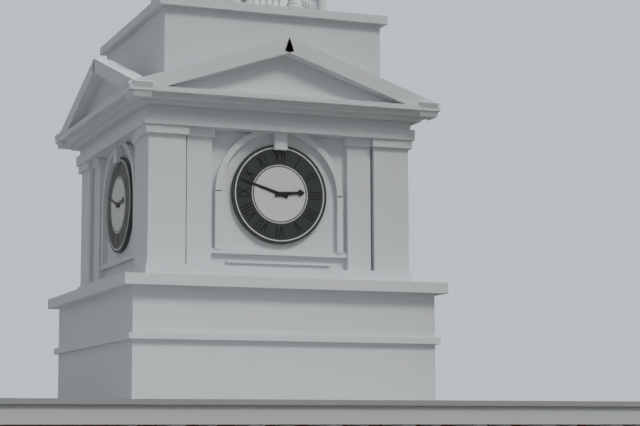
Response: 2:48
